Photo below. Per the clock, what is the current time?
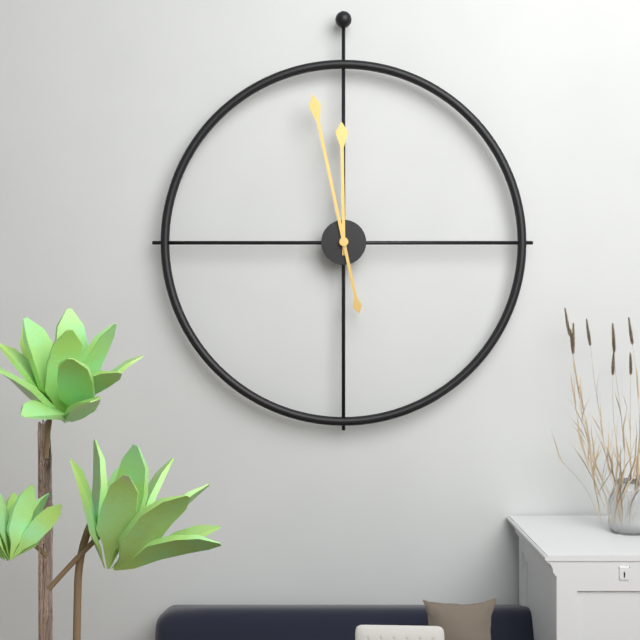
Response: 11:58
